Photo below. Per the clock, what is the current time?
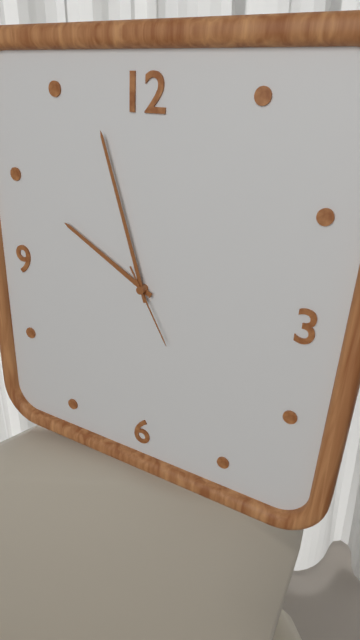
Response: 9:57:25
